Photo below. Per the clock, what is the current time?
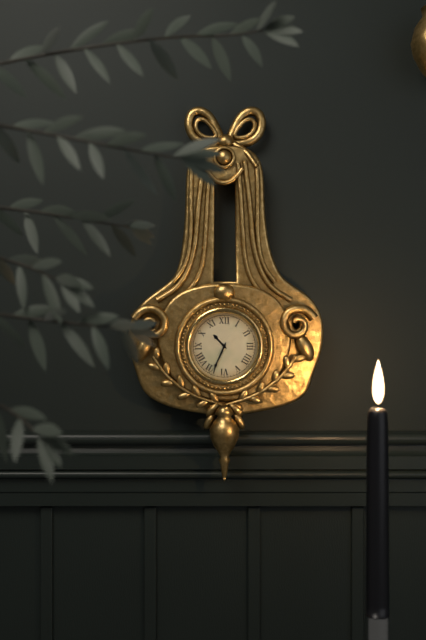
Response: 10:34
